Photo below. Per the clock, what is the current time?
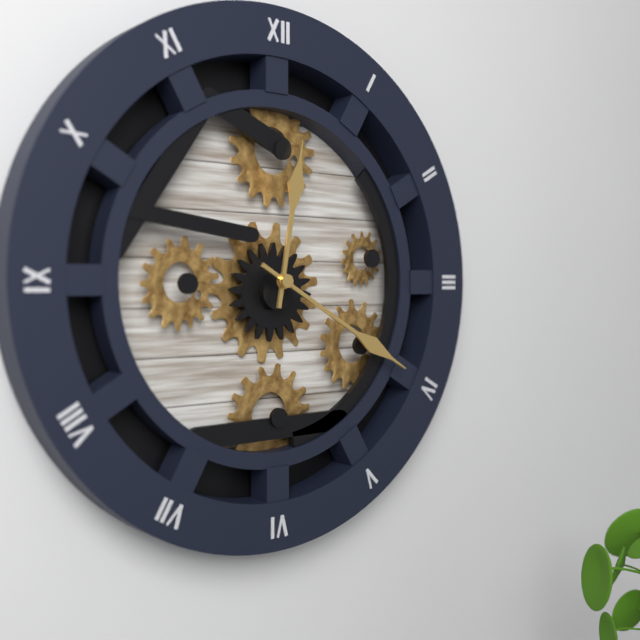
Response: 12:20
